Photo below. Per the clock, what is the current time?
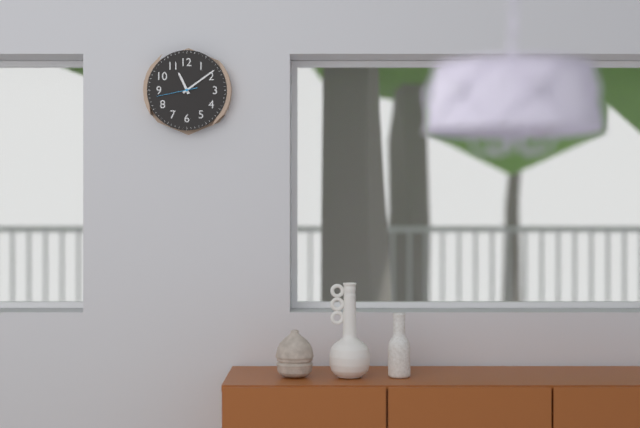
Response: 11:09
